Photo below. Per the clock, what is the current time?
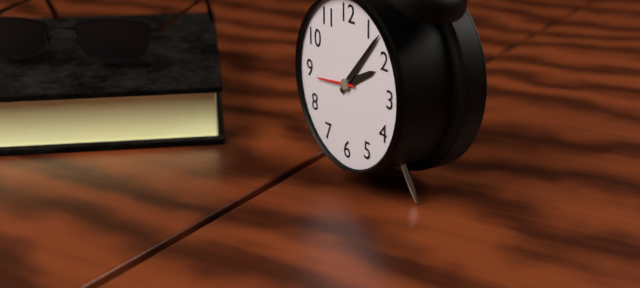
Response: 2:07
